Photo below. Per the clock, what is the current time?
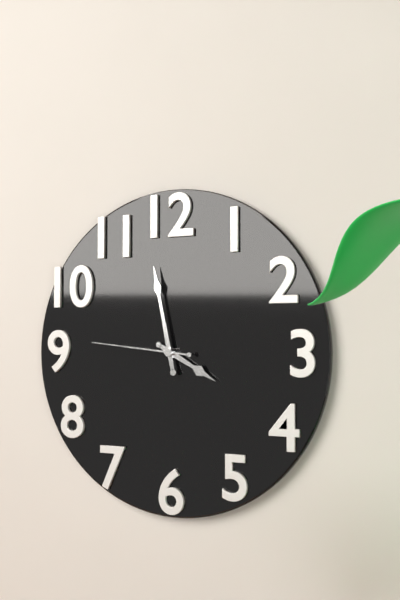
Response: 3:58:46
